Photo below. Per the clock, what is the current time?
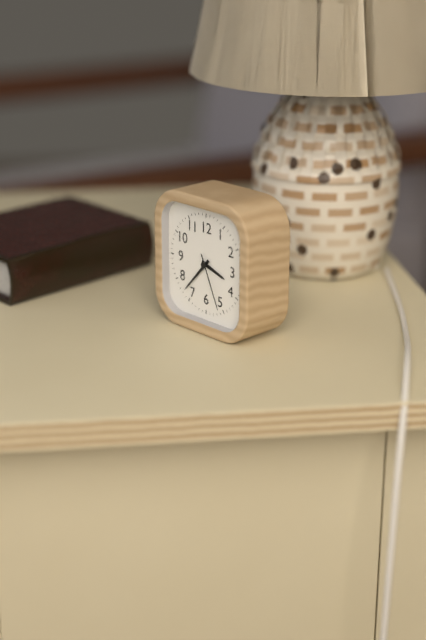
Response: 3:37:26
